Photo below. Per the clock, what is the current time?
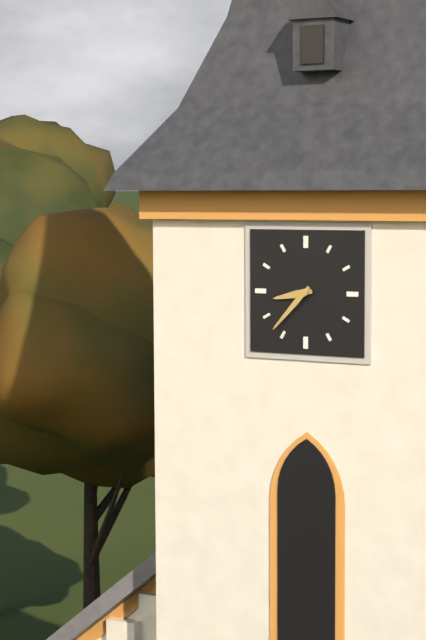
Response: 8:37
